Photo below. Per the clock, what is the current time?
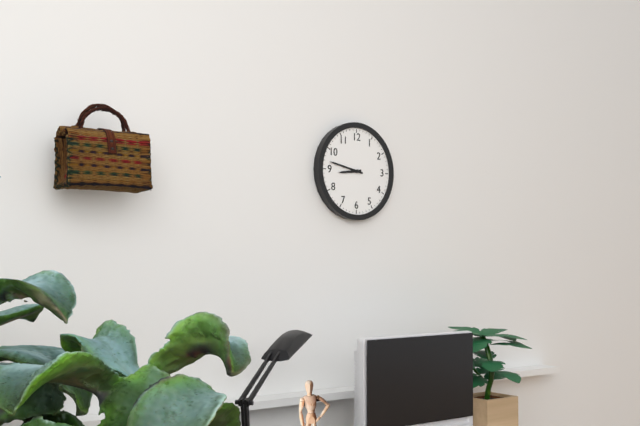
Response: 8:47
